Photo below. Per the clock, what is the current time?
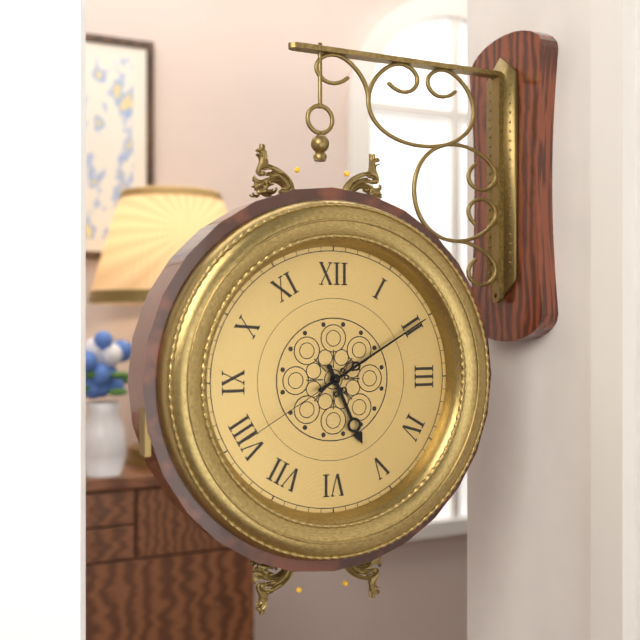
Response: 5:10:40
